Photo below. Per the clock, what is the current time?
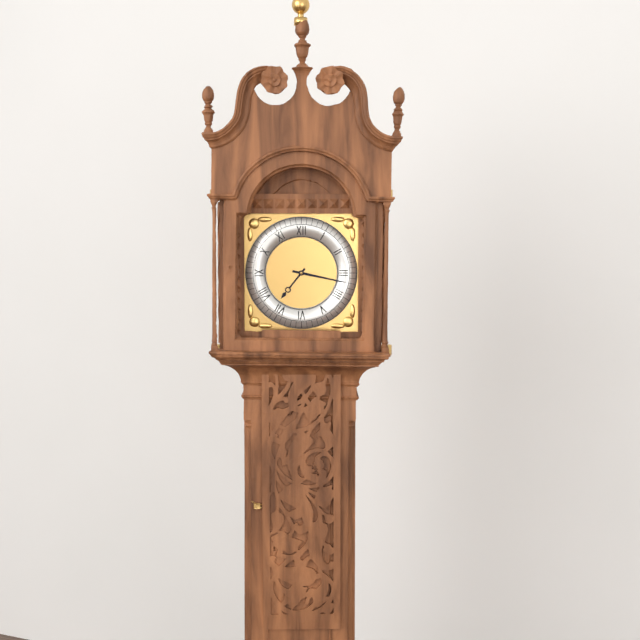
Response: 7:17
